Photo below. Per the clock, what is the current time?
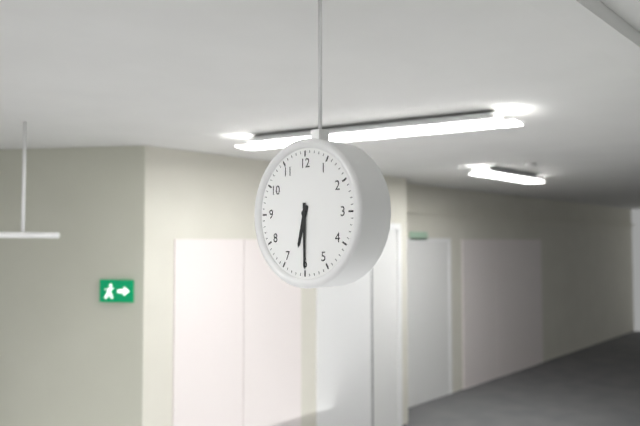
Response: 6:30
